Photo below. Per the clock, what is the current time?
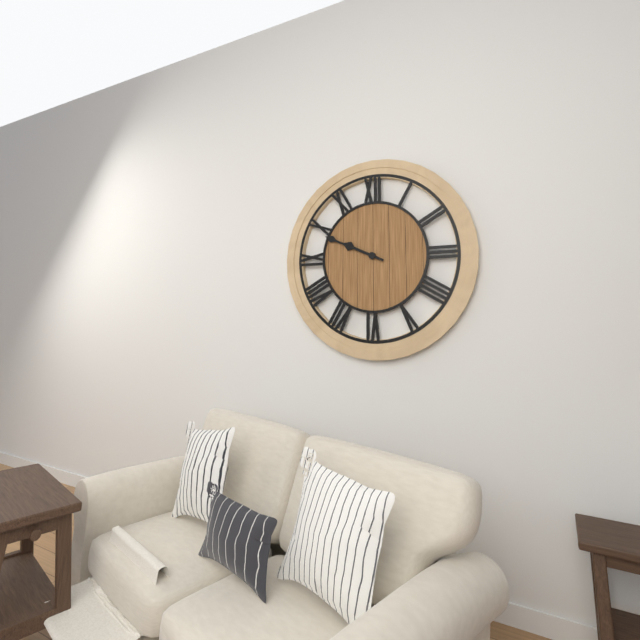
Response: 9:49
